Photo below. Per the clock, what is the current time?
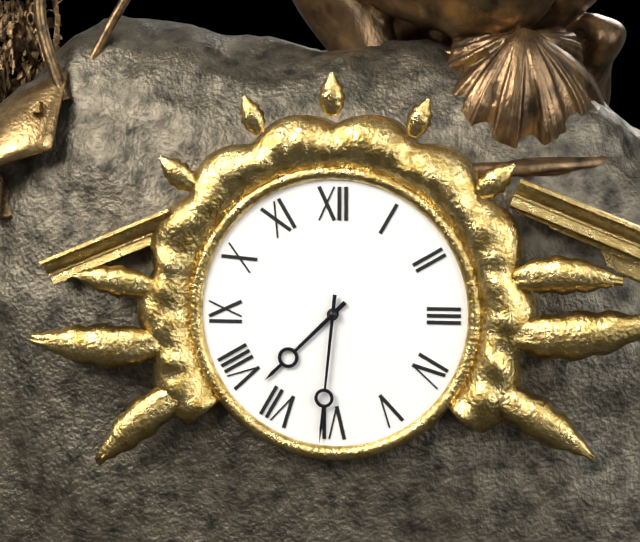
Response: 7:31
